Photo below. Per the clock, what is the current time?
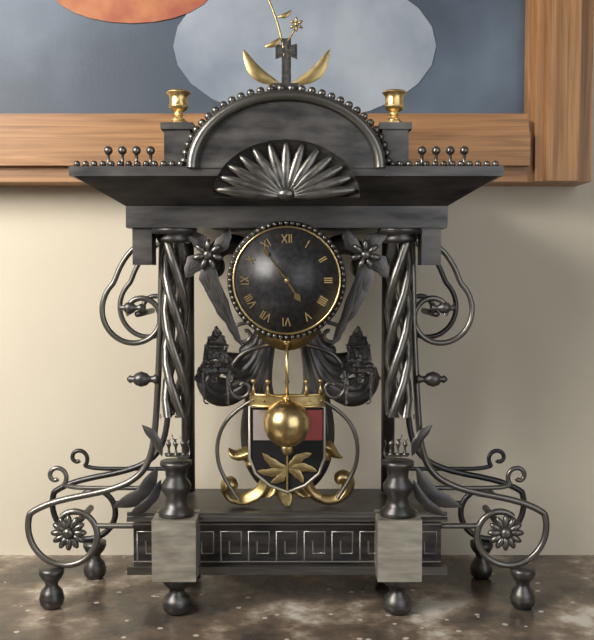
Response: 4:54
